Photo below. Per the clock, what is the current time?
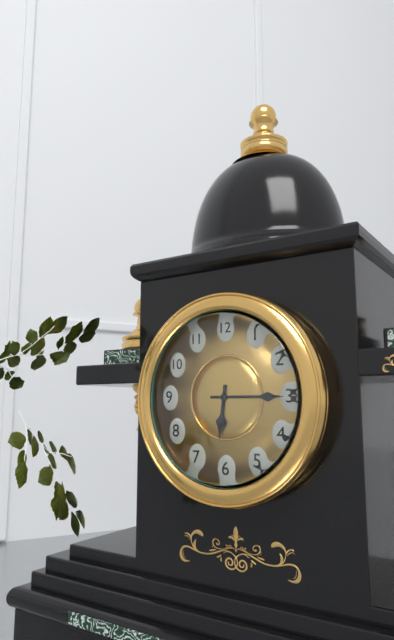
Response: 6:15
